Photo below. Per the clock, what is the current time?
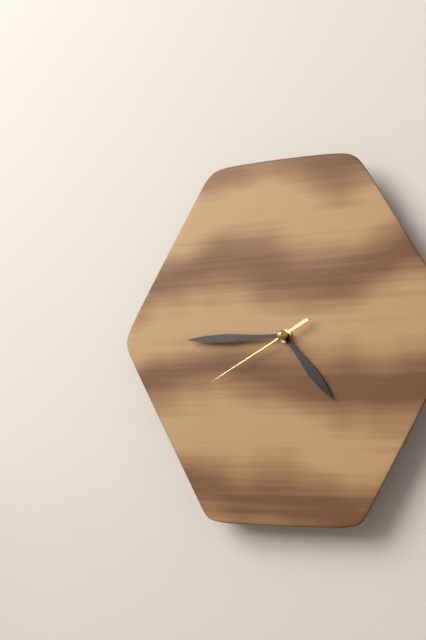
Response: 4:45:40
